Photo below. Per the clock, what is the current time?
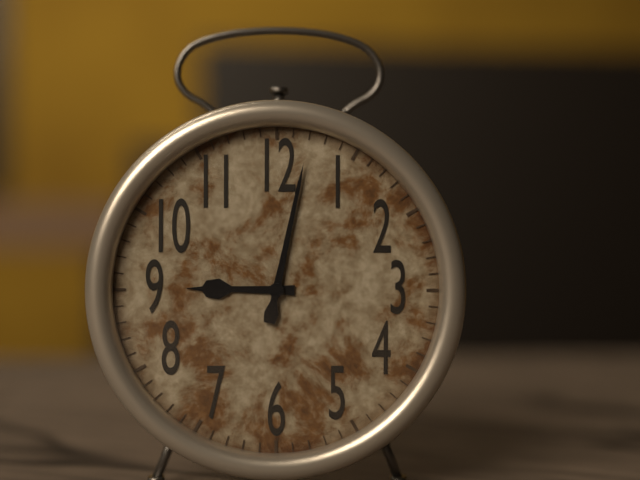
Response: 9:02
